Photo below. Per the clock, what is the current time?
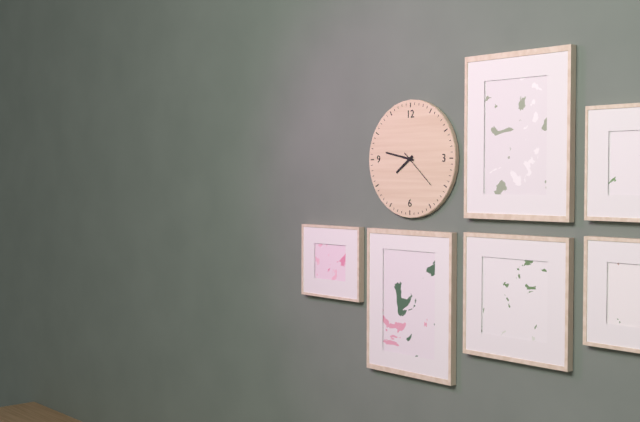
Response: 7:47
